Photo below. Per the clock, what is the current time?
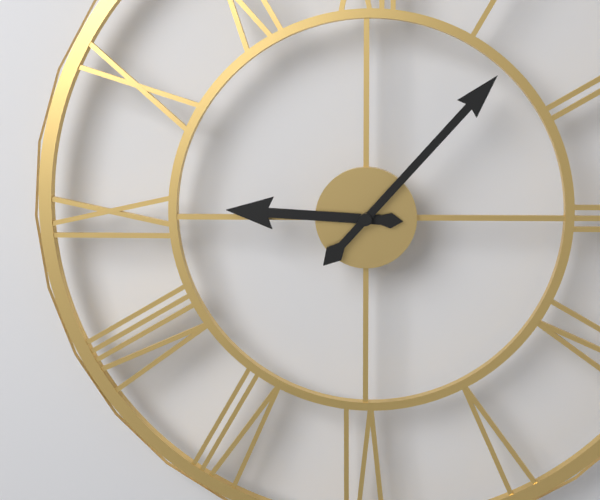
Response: 9:07
